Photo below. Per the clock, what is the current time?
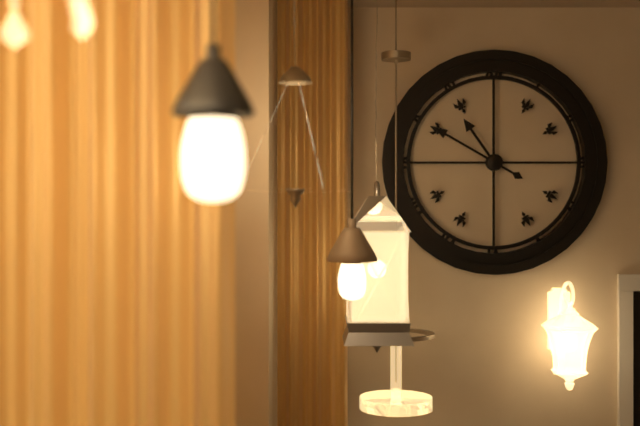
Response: 10:50
